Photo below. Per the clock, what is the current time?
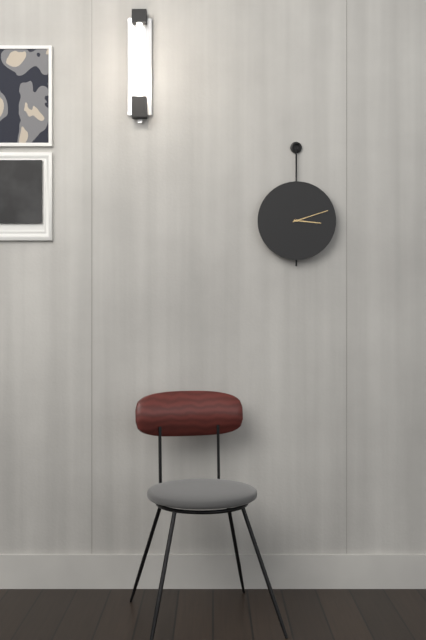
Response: 3:12
